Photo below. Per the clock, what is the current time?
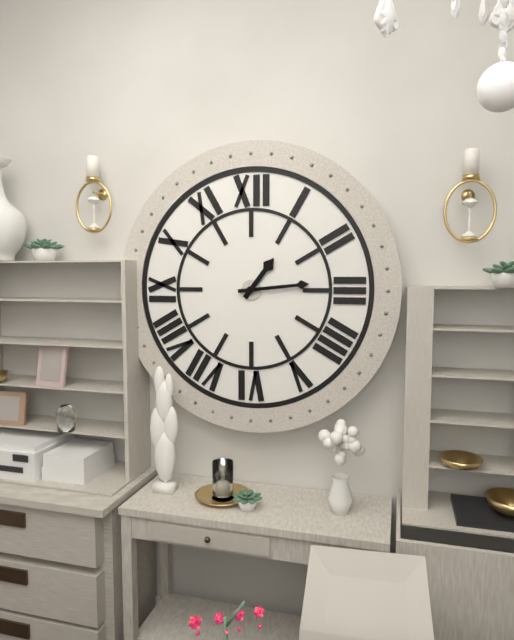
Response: 1:14
